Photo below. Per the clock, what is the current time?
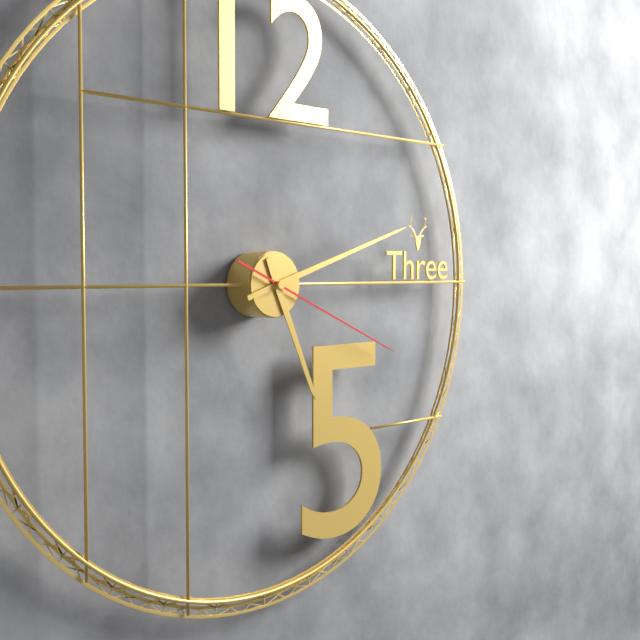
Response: 5:12:19
